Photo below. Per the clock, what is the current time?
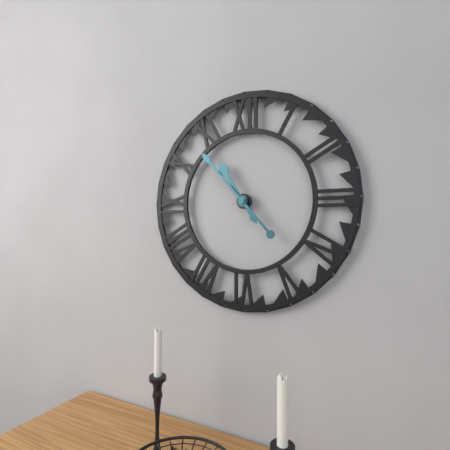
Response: 10:53
